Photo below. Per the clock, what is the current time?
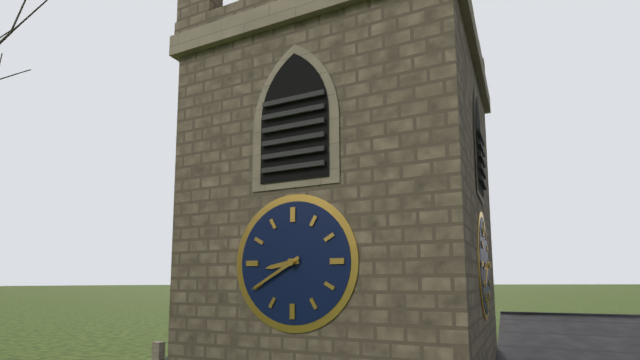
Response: 8:40
